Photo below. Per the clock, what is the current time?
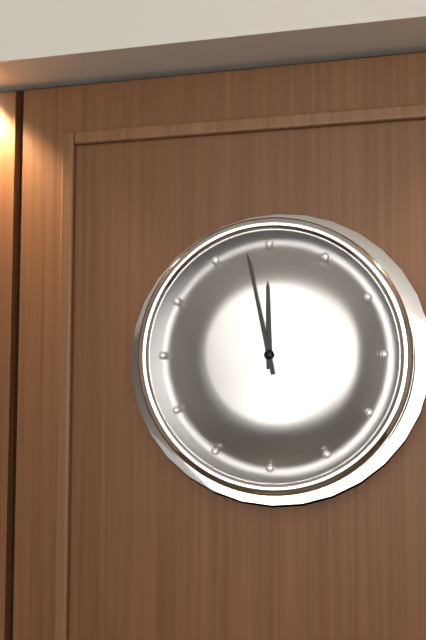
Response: 11:58
